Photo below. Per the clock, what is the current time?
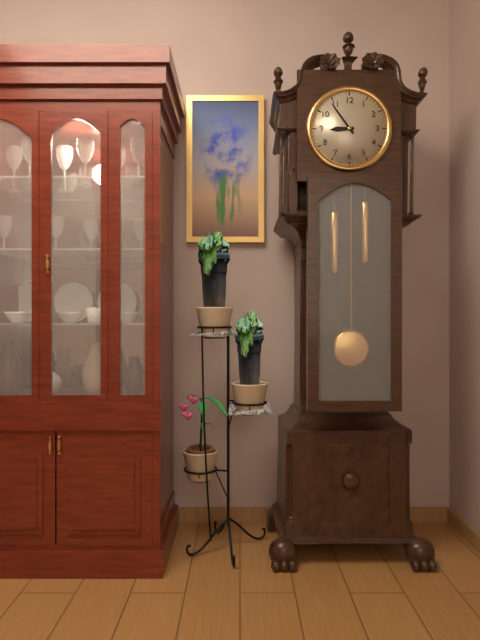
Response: 8:54
